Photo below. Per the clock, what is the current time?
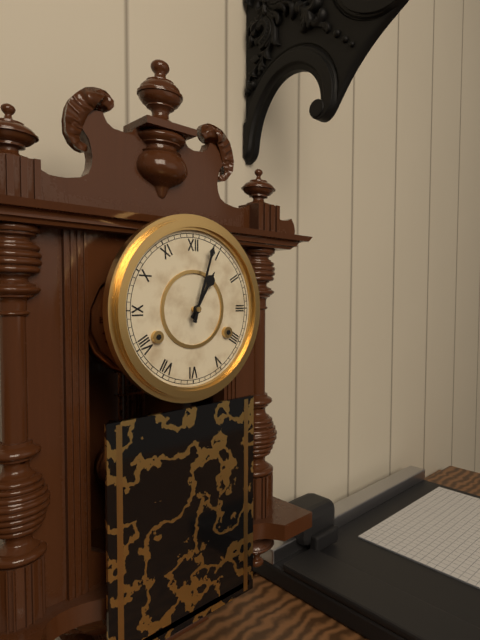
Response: 1:03
